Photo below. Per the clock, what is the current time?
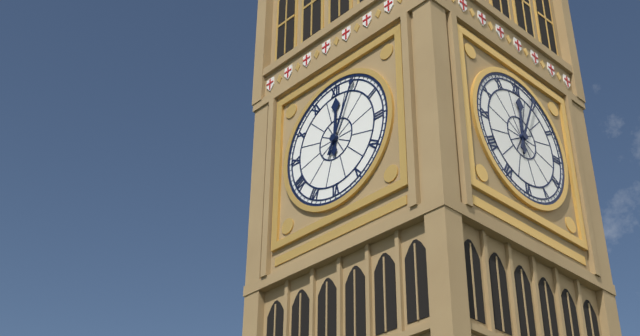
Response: 12:04
